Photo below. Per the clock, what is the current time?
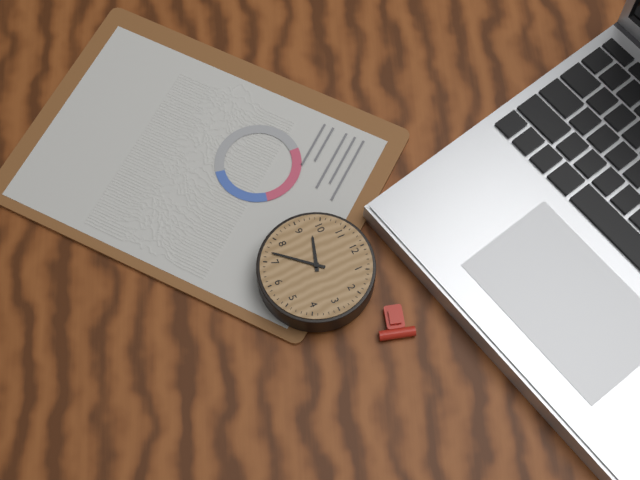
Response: 9:37
